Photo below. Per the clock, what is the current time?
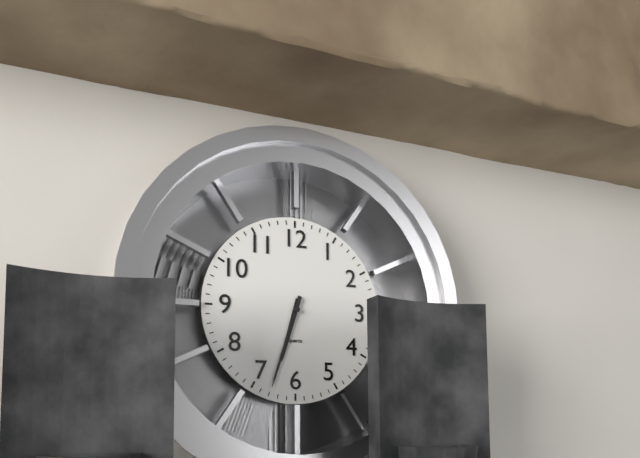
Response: 6:33
